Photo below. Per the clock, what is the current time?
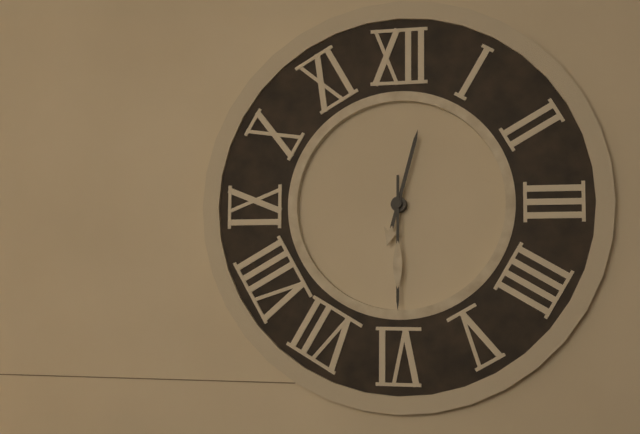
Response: 12:30
